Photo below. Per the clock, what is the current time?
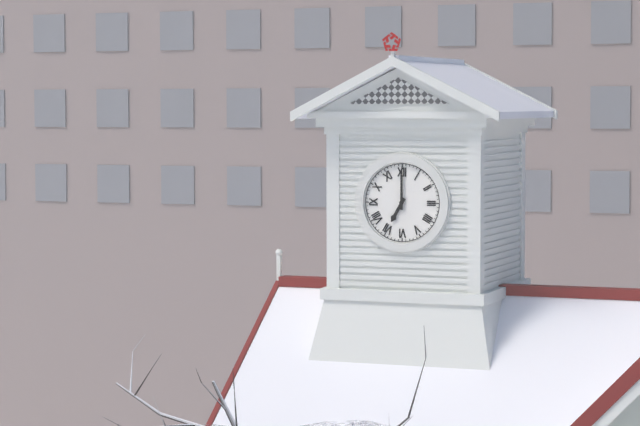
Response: 7:00
